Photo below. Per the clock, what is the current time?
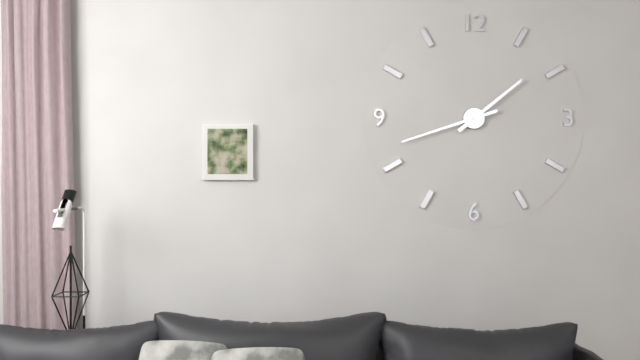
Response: 1:42
